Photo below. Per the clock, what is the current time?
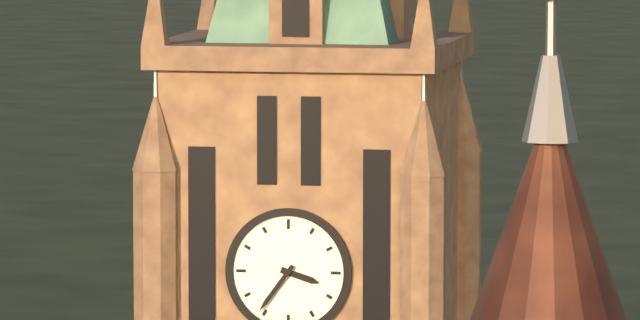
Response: 3:36
